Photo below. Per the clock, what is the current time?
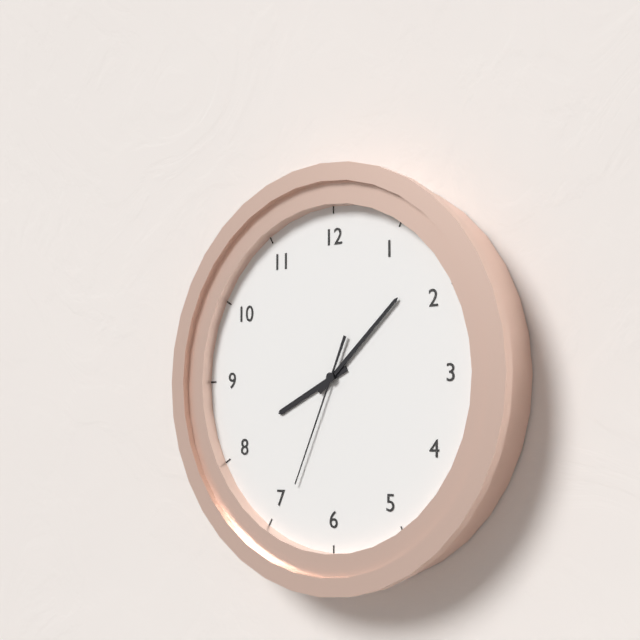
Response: 8:08:34
